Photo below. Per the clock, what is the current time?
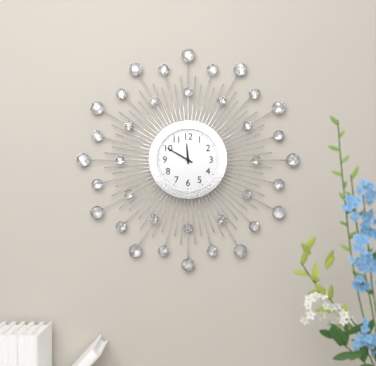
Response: 11:50
